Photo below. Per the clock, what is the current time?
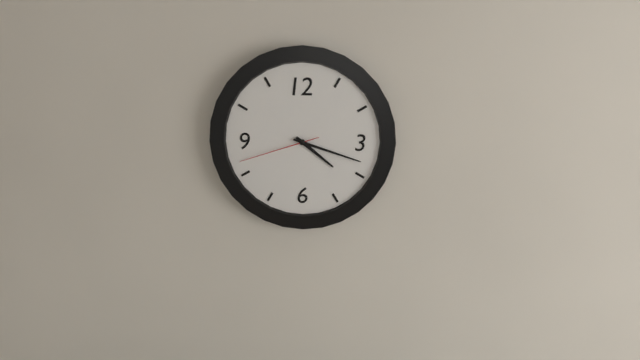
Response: 4:18:42
